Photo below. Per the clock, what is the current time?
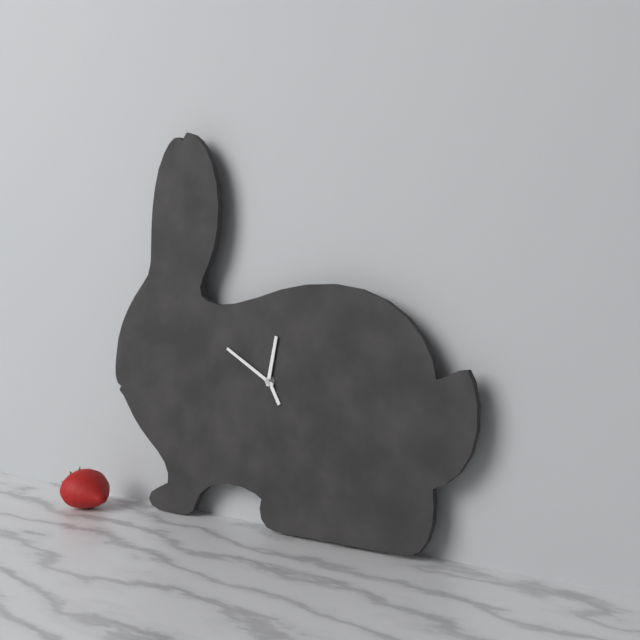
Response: 5:02:50
